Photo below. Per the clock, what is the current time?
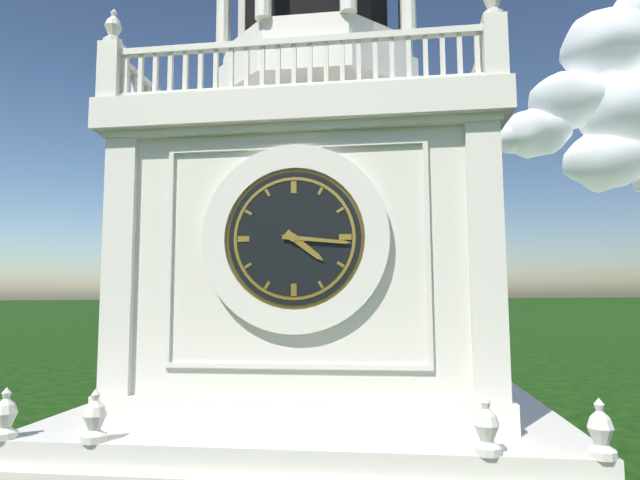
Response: 4:16
